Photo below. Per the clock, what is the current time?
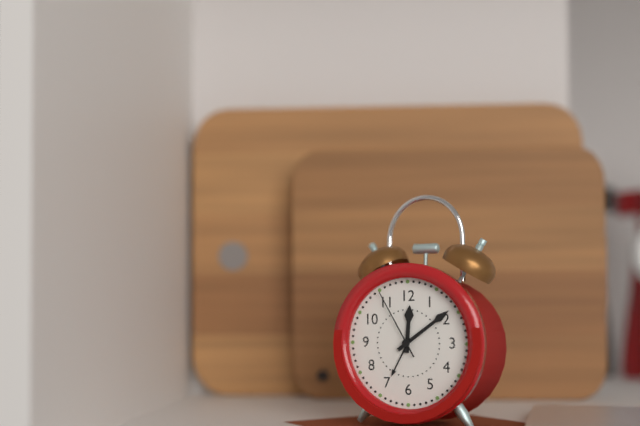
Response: 12:09:55
